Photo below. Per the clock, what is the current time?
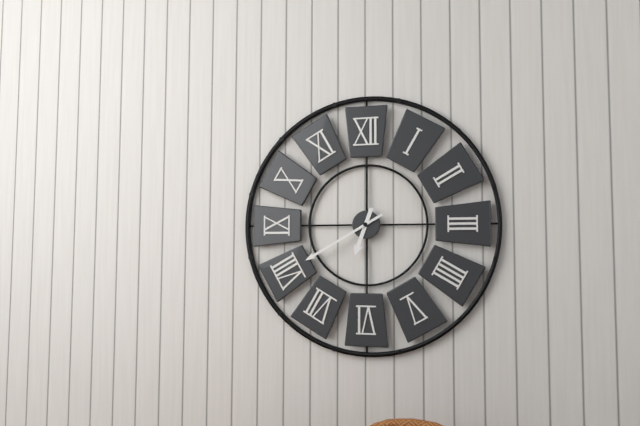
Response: 6:40
